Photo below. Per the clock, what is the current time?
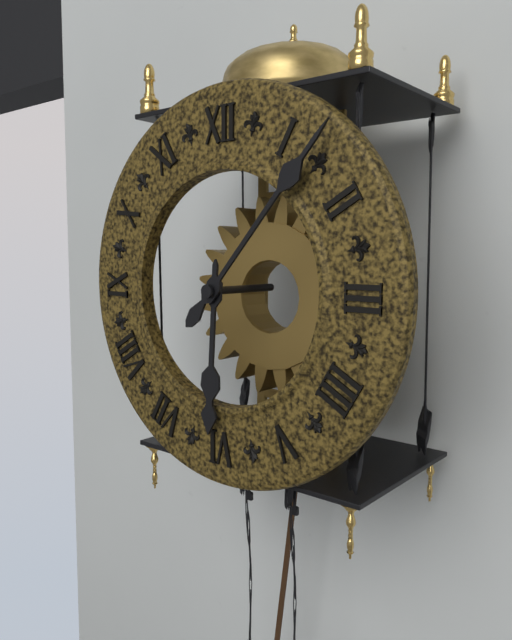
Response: 6:07
